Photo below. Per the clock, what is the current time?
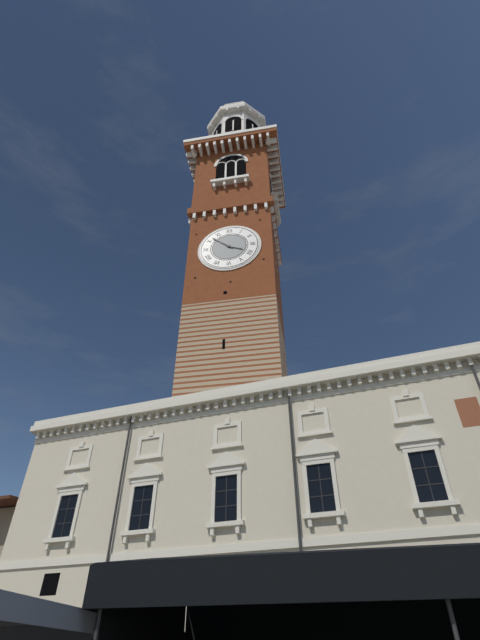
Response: 3:52
